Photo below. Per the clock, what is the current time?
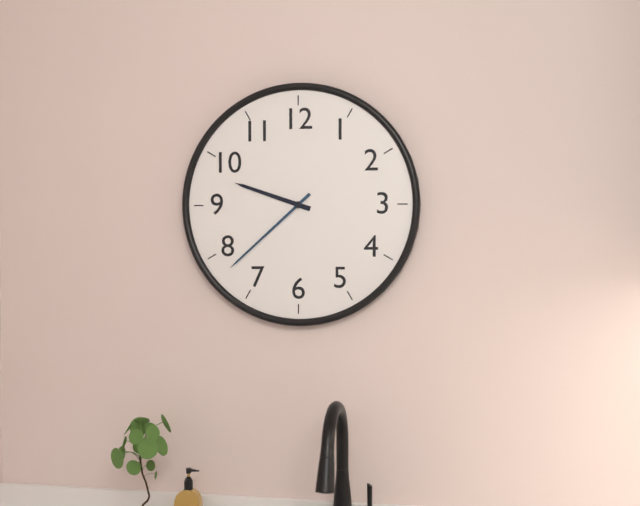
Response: 9:38
